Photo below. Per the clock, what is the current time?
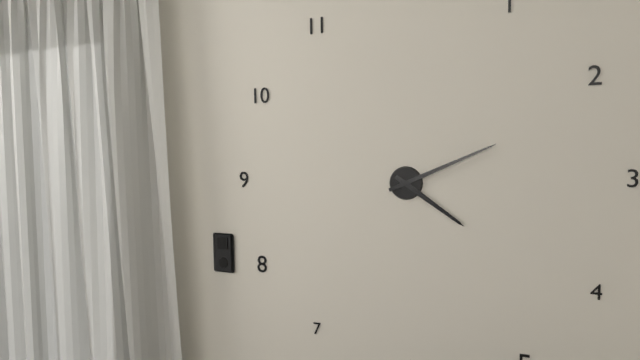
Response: 4:11
